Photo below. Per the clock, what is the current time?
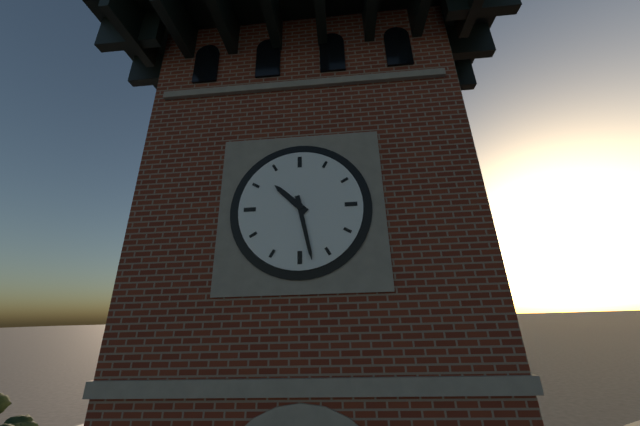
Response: 10:28
